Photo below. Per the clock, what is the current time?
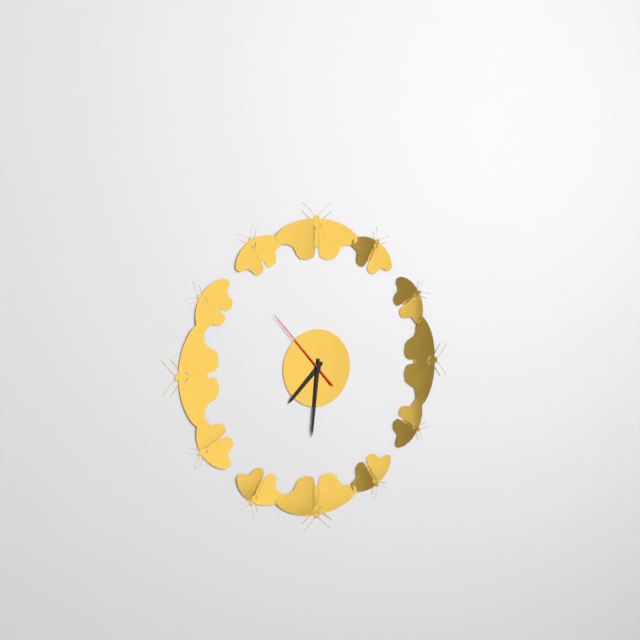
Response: 7:31:53
